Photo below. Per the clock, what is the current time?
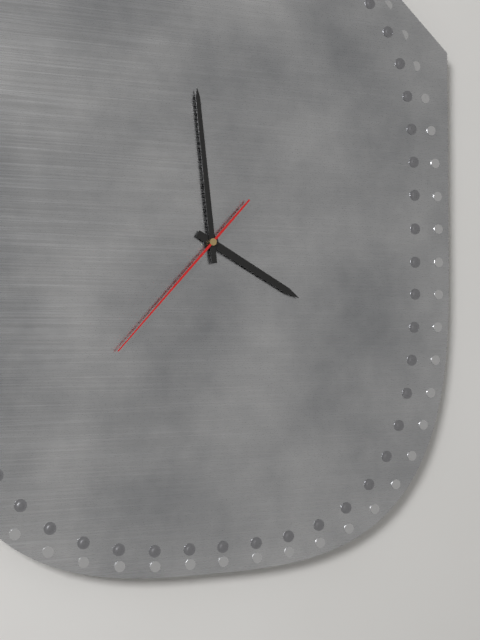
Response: 3:59:37
